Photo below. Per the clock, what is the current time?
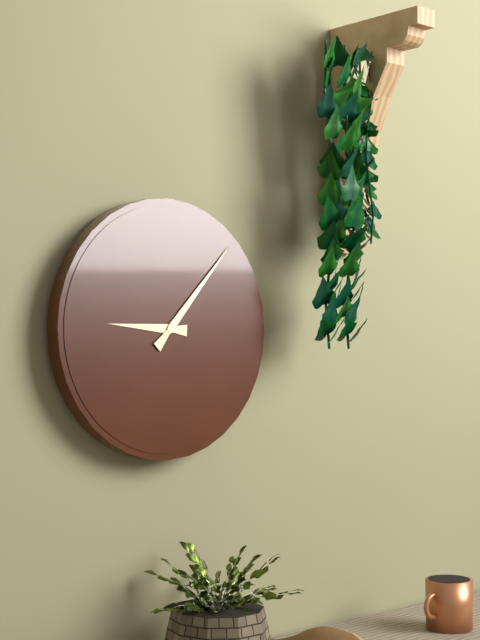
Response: 9:07
